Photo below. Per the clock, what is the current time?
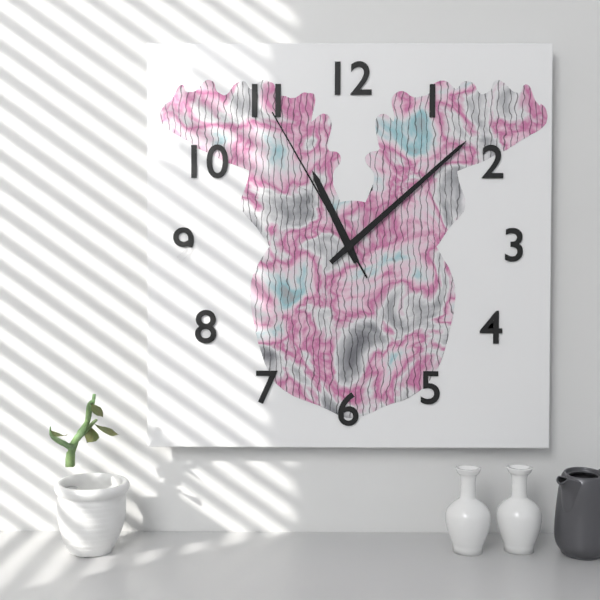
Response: 11:08:55
